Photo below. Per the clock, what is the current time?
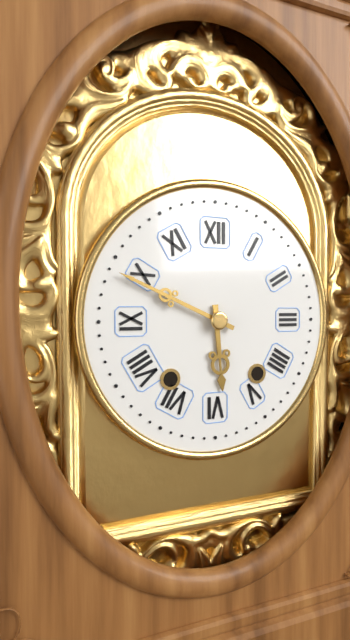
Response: 5:49
